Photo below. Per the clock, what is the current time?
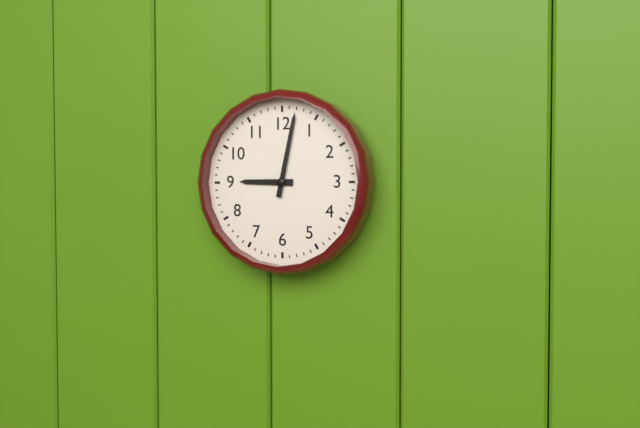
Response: 9:02
